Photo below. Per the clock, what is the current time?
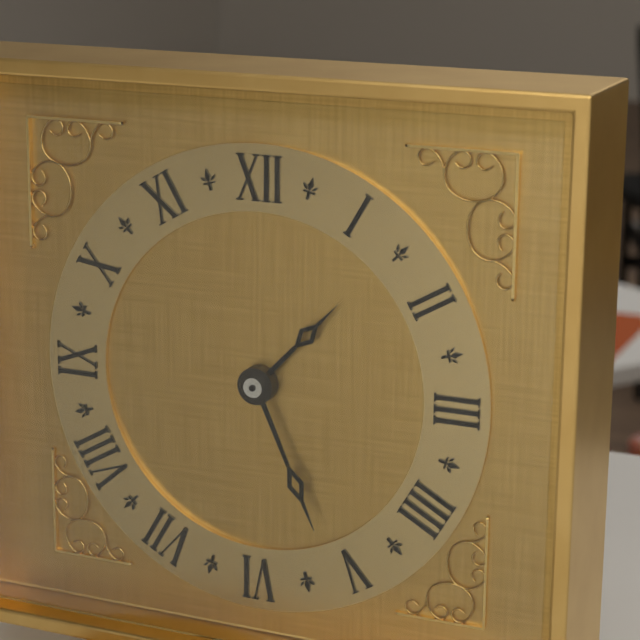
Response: 1:26
